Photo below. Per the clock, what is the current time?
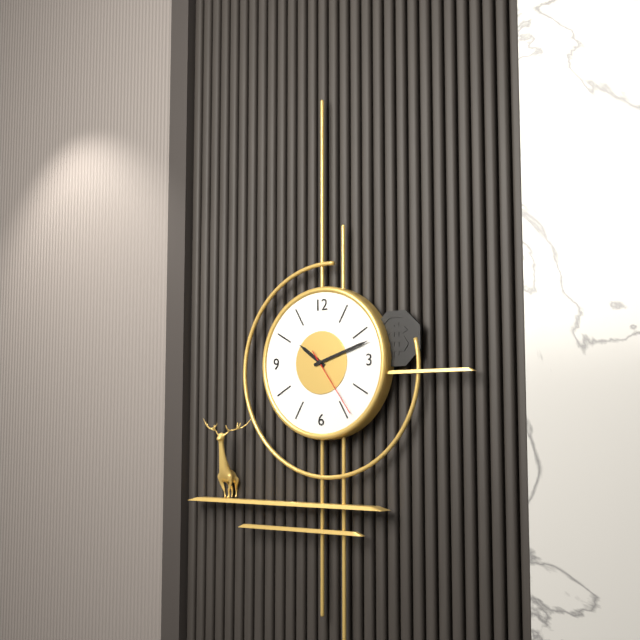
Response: 10:12:24
